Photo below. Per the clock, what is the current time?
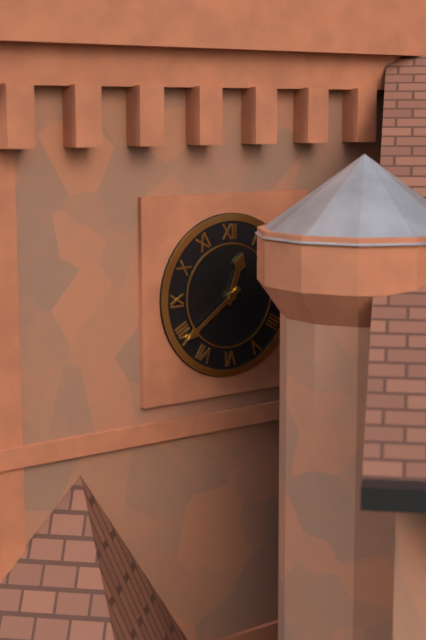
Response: 12:39
